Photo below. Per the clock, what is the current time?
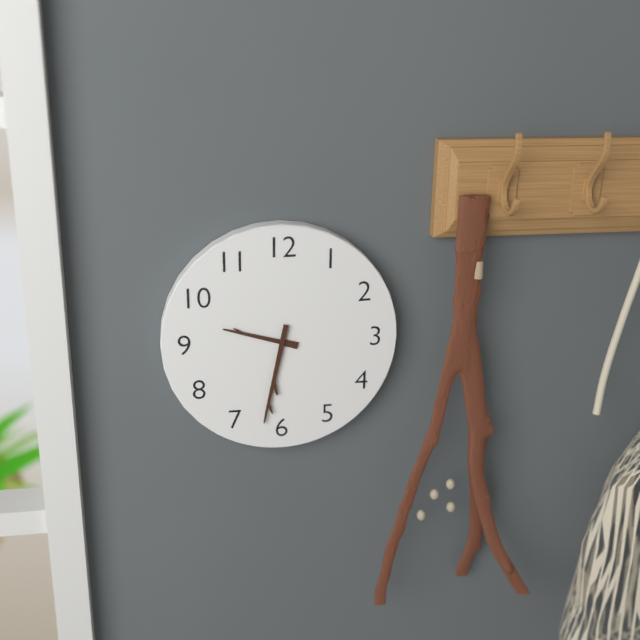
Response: 9:32
